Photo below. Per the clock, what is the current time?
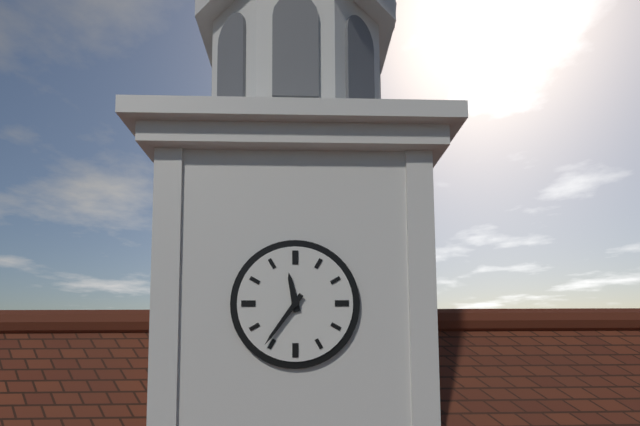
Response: 11:36
